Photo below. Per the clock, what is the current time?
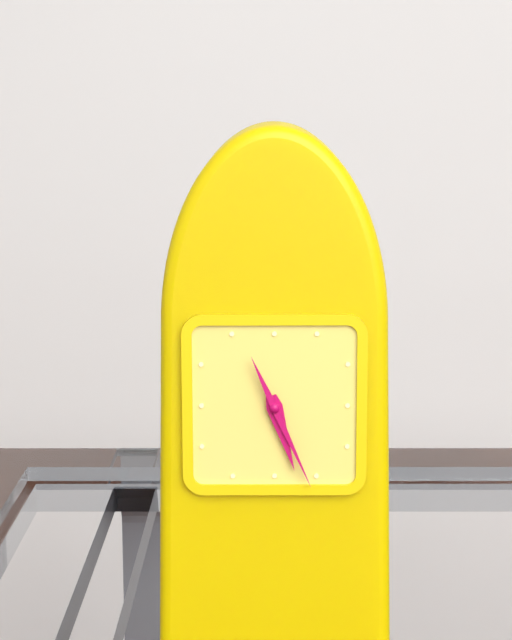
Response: 5:26
